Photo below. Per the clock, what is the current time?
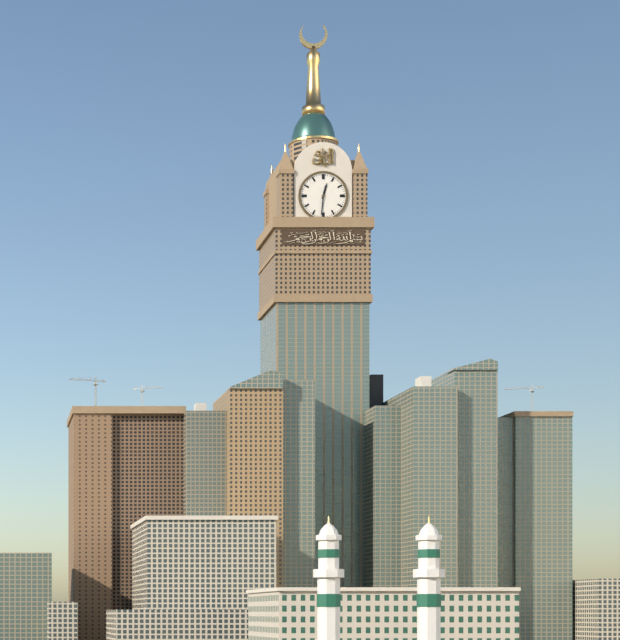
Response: 12:31
